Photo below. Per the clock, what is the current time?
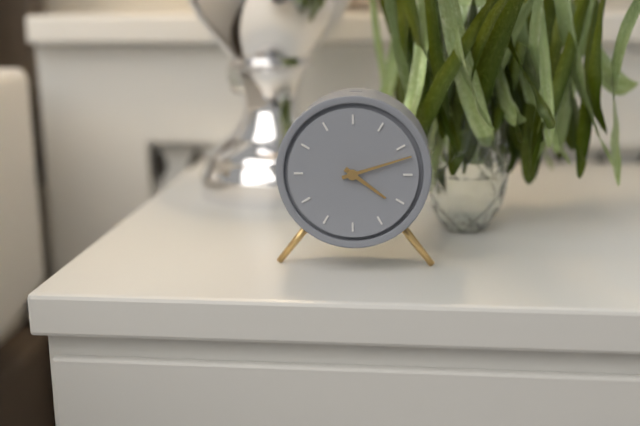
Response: 4:12
